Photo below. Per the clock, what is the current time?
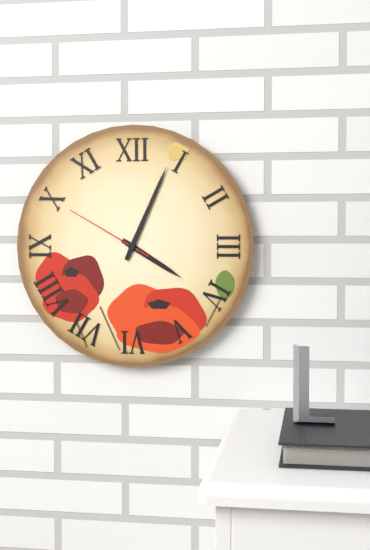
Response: 4:04:50
